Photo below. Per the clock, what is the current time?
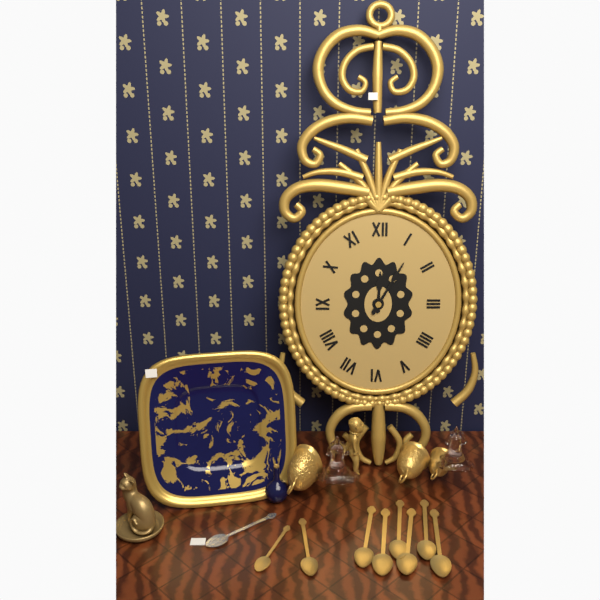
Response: 12:05
